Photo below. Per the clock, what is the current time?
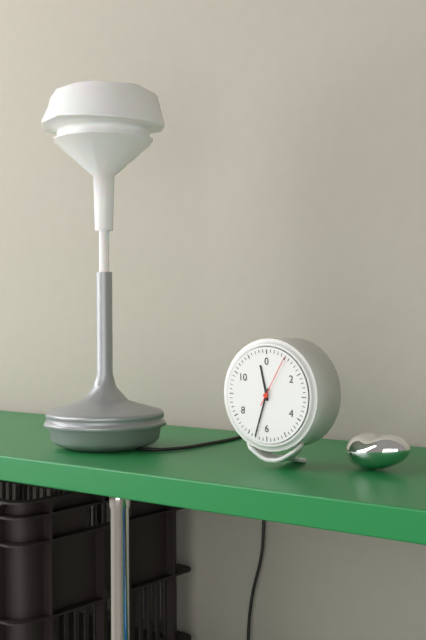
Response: 11:33:05
